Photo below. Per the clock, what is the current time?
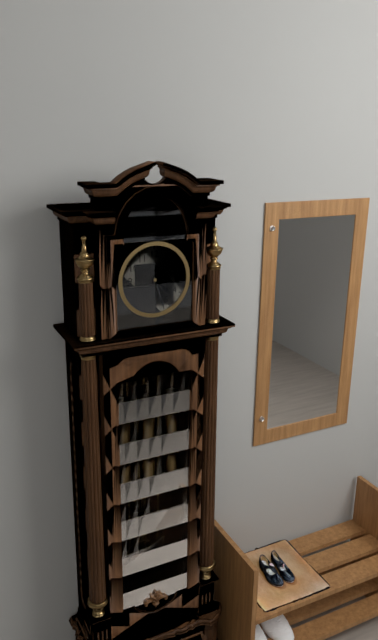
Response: 4:27
